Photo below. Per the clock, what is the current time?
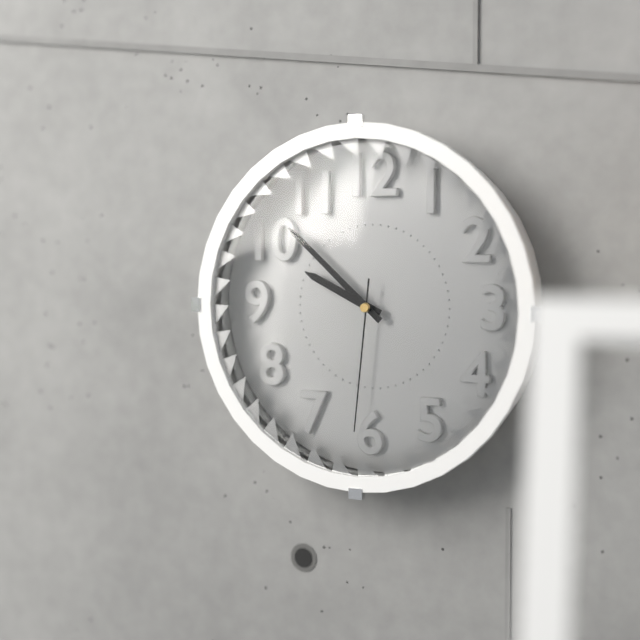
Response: 9:52:31
